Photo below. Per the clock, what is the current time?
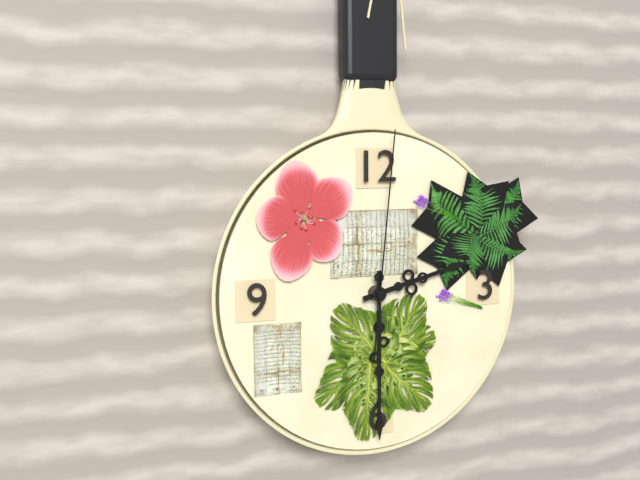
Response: 2:30:01
